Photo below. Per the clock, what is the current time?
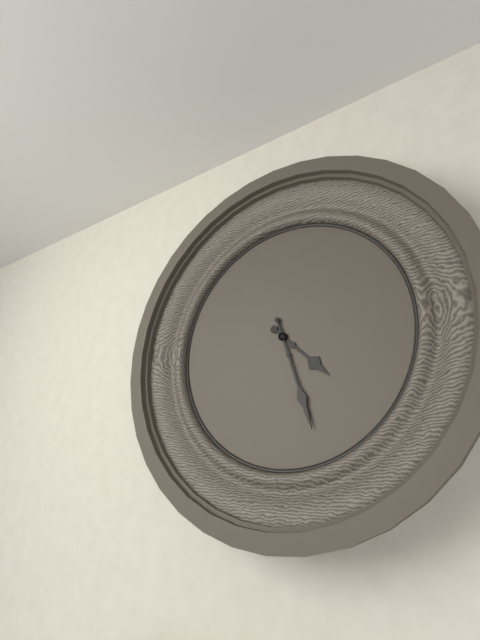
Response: 4:27
